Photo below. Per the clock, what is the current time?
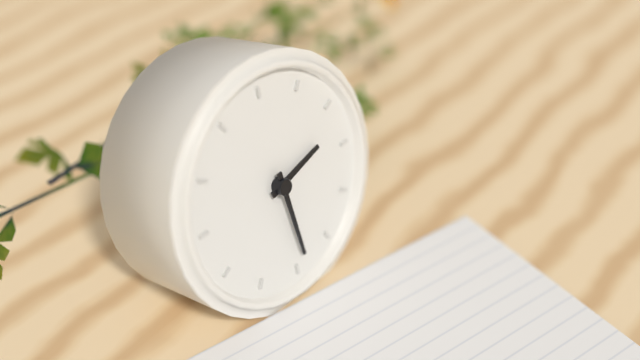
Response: 2:29
